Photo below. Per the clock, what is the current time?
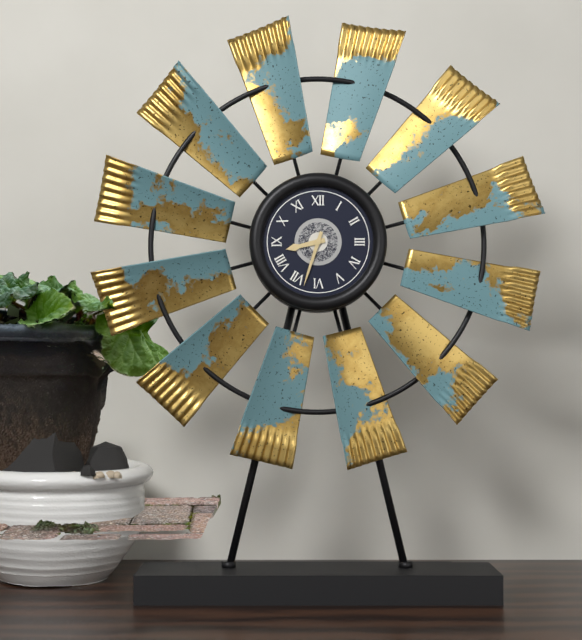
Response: 8:33
